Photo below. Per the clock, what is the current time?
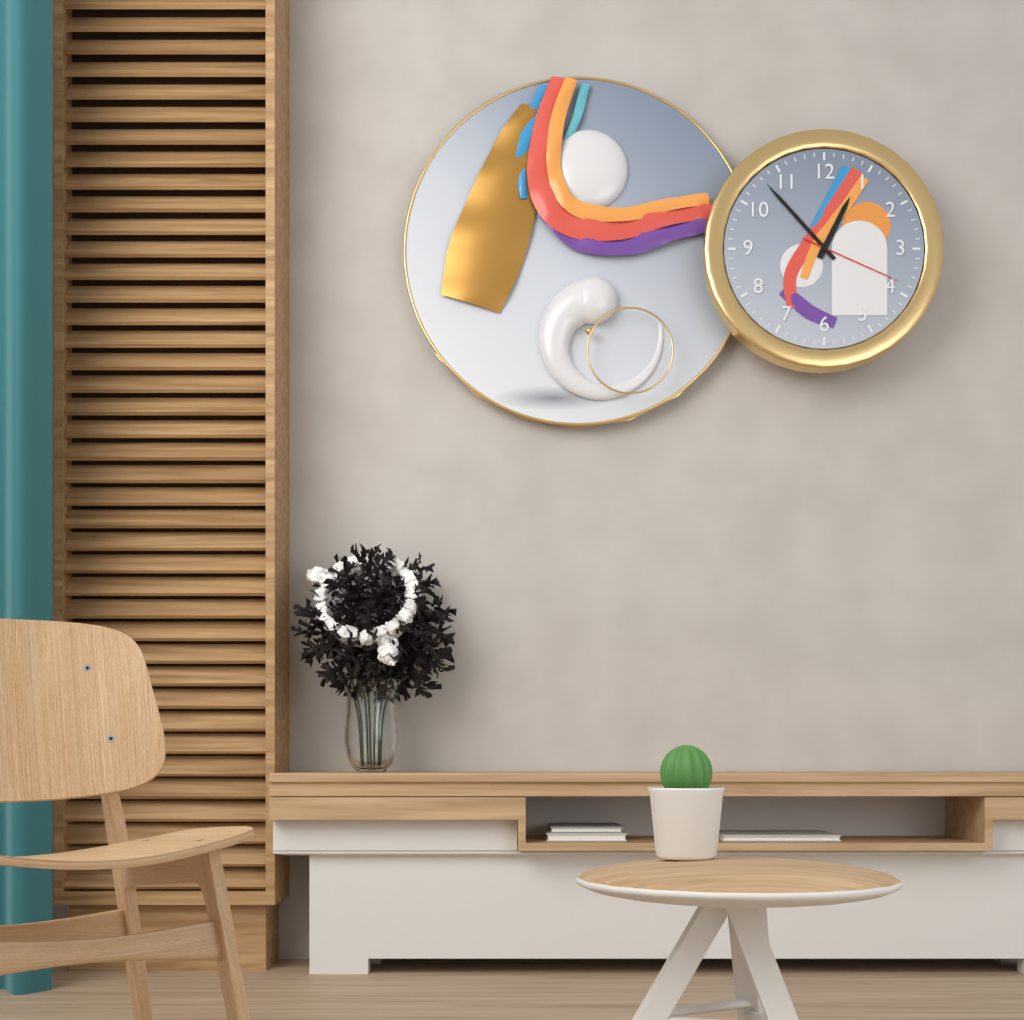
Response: 12:53:19
